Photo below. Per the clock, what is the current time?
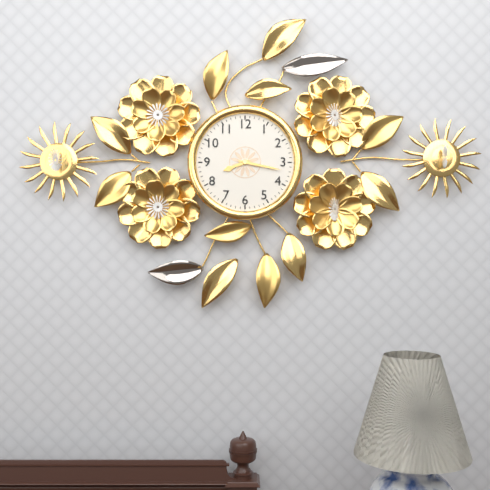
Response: 8:17
